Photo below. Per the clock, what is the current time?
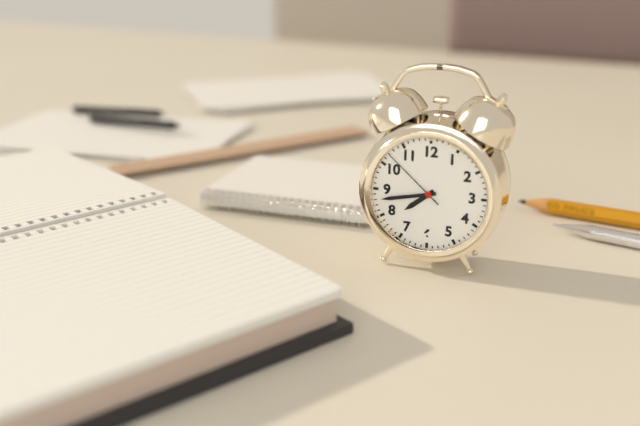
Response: 7:43:52
